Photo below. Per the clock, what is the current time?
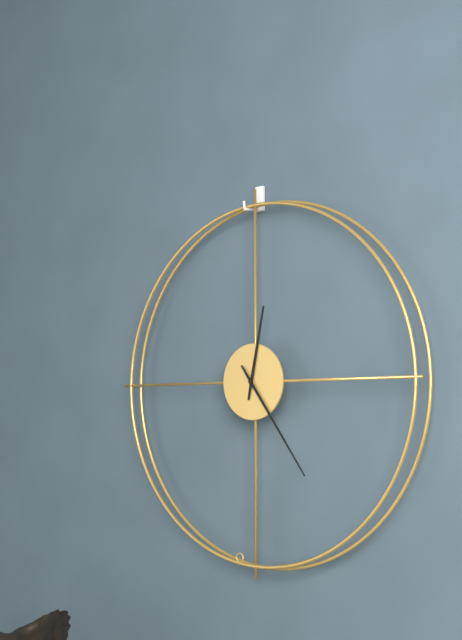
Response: 12:24
